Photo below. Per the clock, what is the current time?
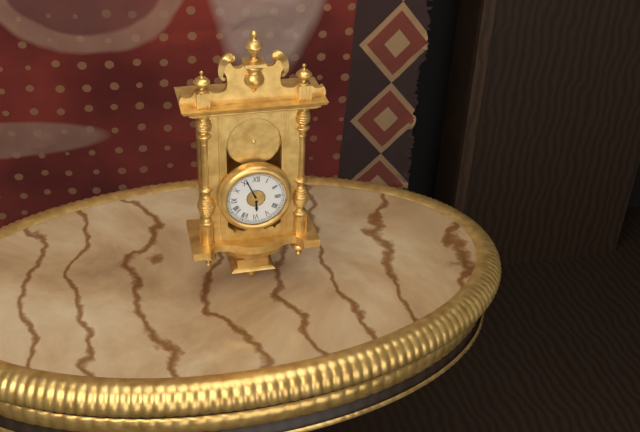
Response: 5:56
